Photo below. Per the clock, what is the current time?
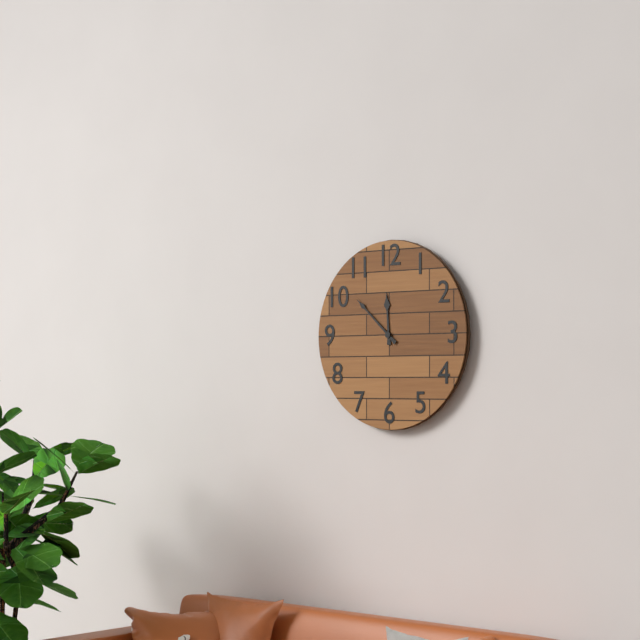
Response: 11:52
